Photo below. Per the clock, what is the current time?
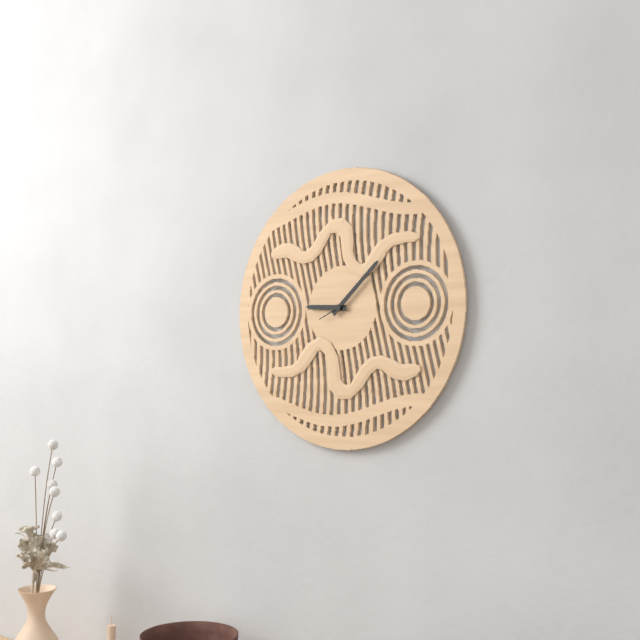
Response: 9:08
